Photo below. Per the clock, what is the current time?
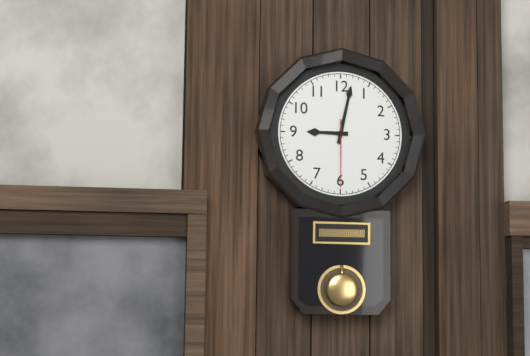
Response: 9:02:30
